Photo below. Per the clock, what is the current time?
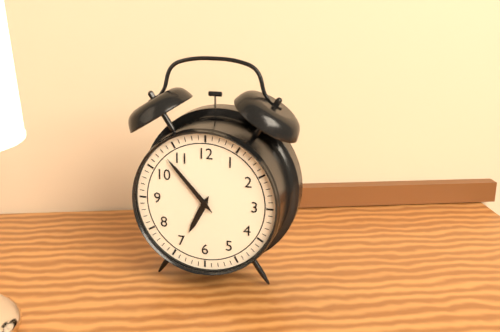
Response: 6:53
